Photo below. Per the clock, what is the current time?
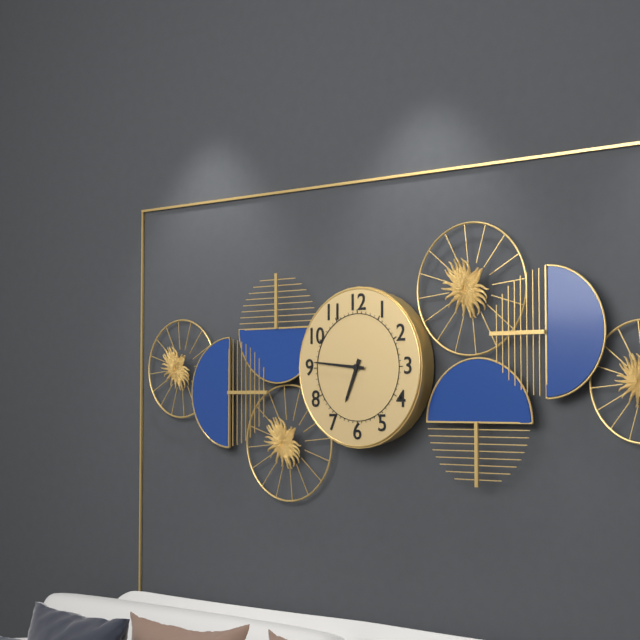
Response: 6:46
